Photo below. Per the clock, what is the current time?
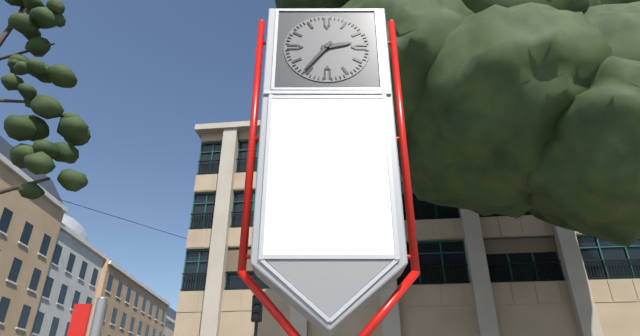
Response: 2:36
